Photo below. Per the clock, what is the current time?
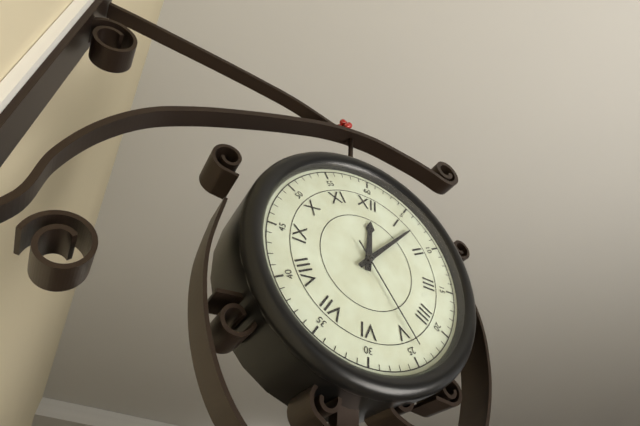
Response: 12:07:24
